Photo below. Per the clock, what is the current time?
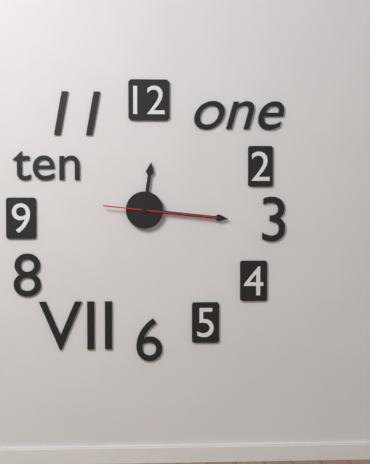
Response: 12:16:16
